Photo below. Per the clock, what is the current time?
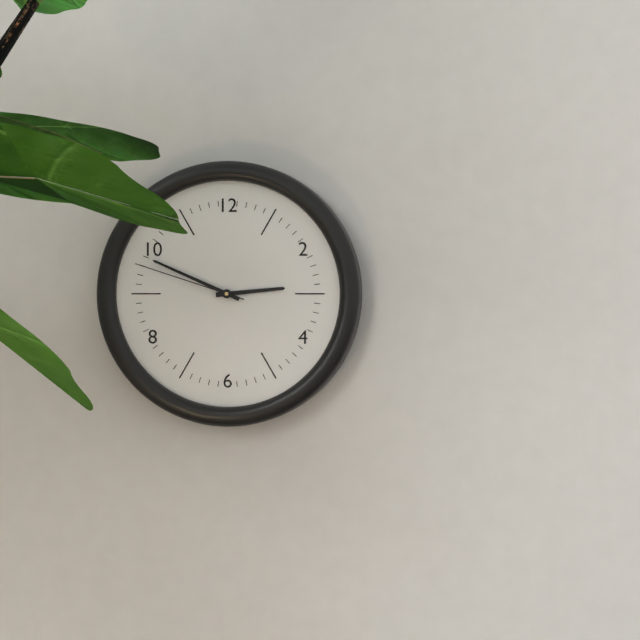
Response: 2:49:48
